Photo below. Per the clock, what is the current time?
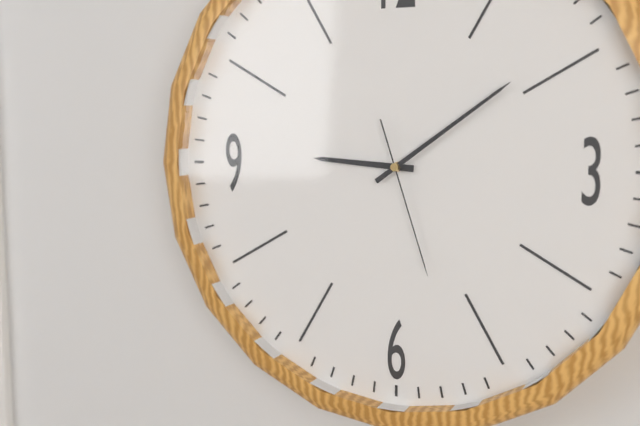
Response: 9:09:27
